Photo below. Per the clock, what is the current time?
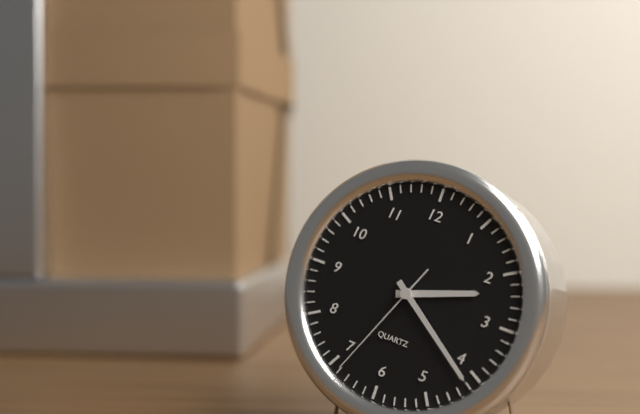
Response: 2:21:34
